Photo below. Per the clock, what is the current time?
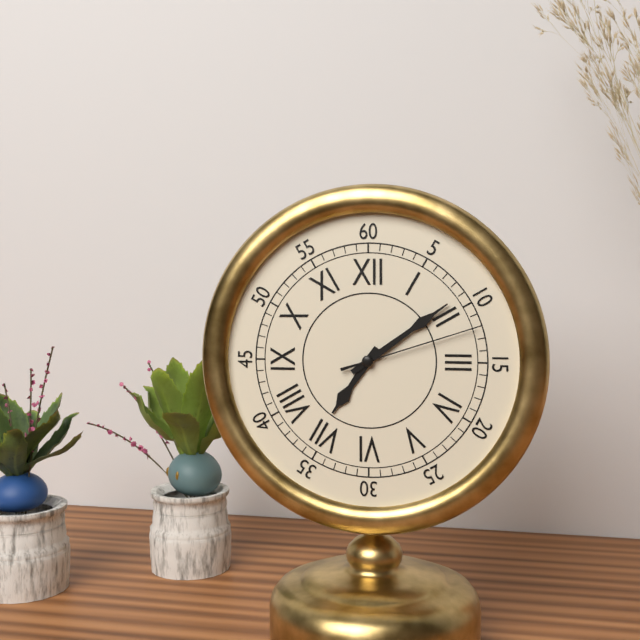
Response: 7:09:12
